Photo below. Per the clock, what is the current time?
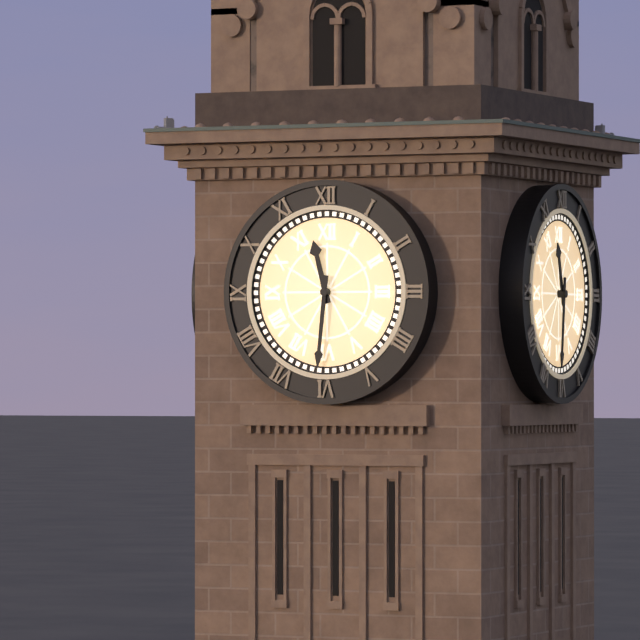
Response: 11:31
